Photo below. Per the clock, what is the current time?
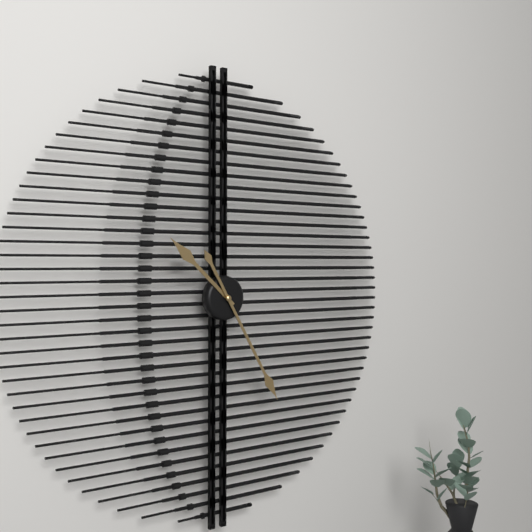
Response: 10:25
